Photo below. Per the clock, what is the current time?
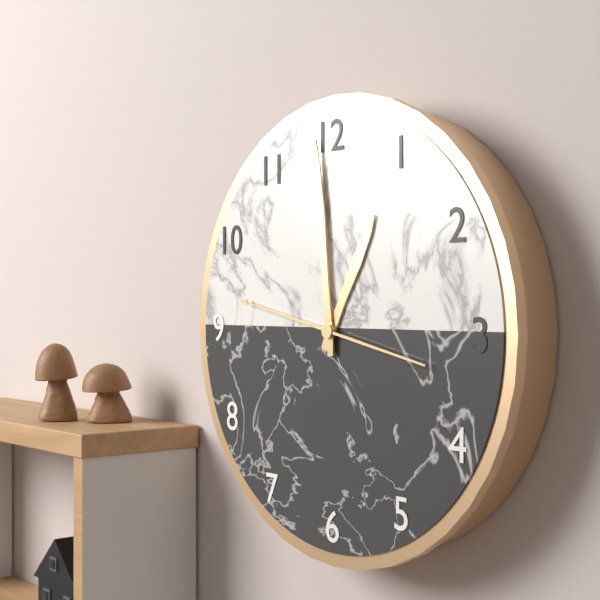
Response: 12:59:47
